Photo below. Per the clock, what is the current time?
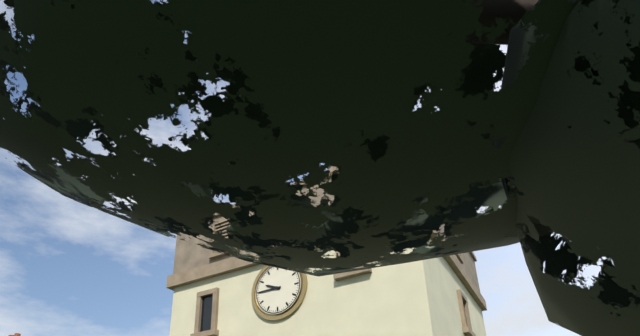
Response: 9:45
